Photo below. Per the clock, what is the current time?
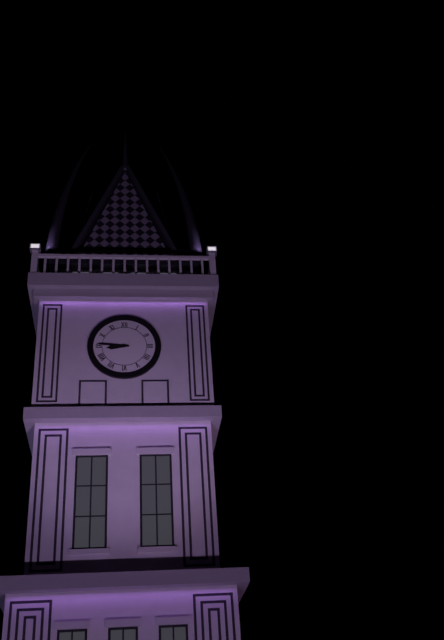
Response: 8:46
